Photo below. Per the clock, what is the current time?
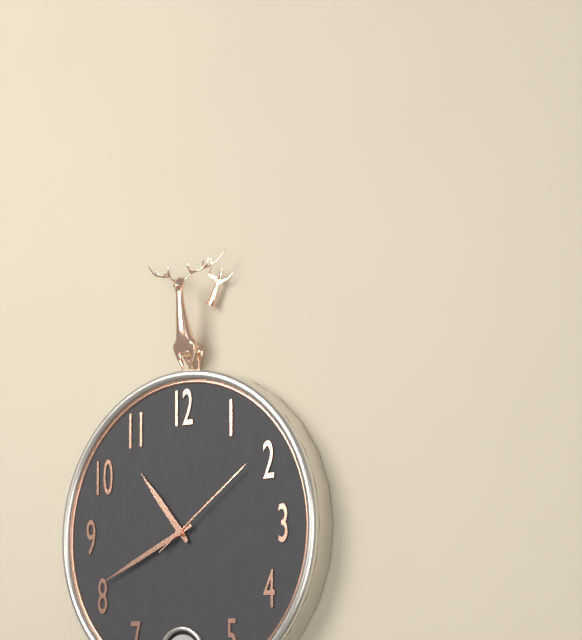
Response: 10:41:09
